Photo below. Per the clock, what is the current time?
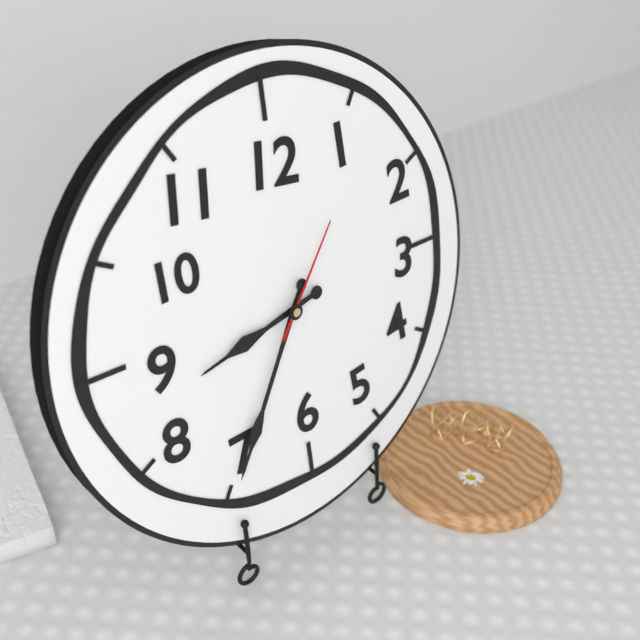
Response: 8:35:06
